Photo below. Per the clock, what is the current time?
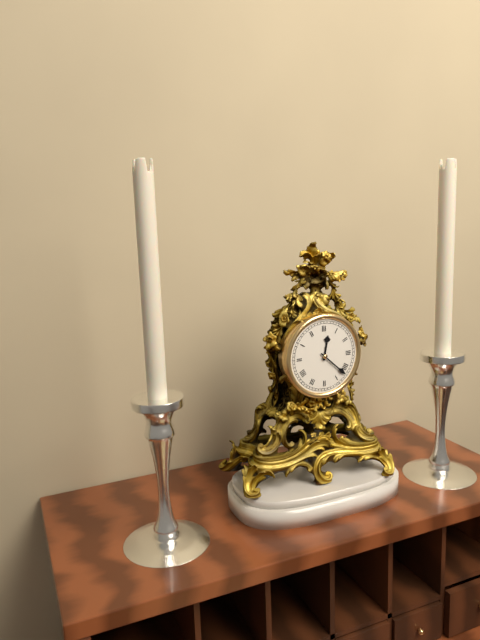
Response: 12:22
